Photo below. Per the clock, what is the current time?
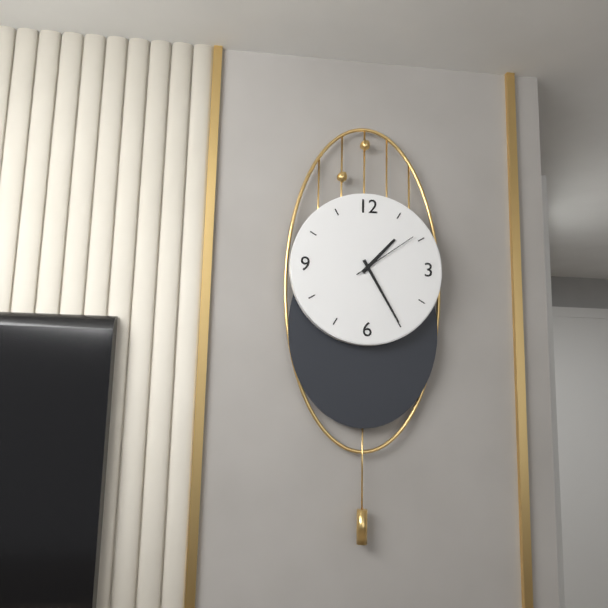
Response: 1:25:09
